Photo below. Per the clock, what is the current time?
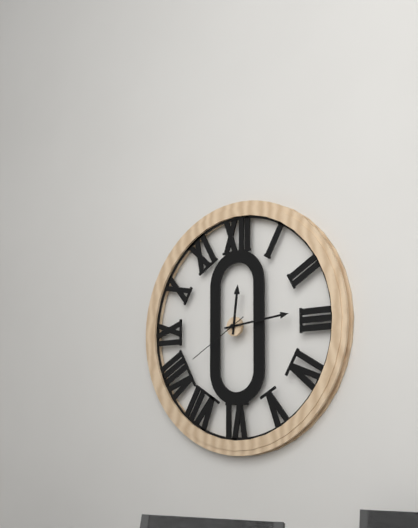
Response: 12:14:40
